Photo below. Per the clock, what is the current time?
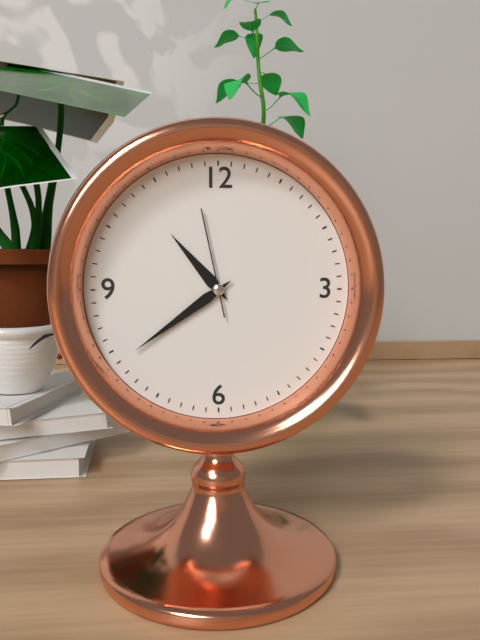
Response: 10:39:58
